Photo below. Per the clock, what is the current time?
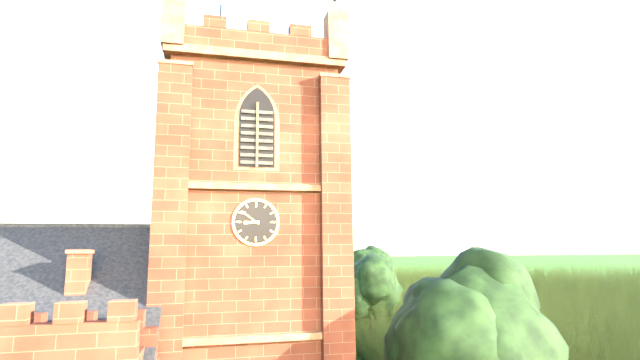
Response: 8:51
